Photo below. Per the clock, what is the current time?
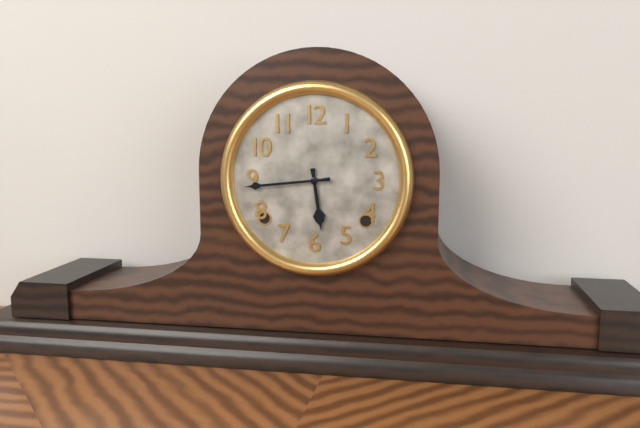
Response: 5:44
